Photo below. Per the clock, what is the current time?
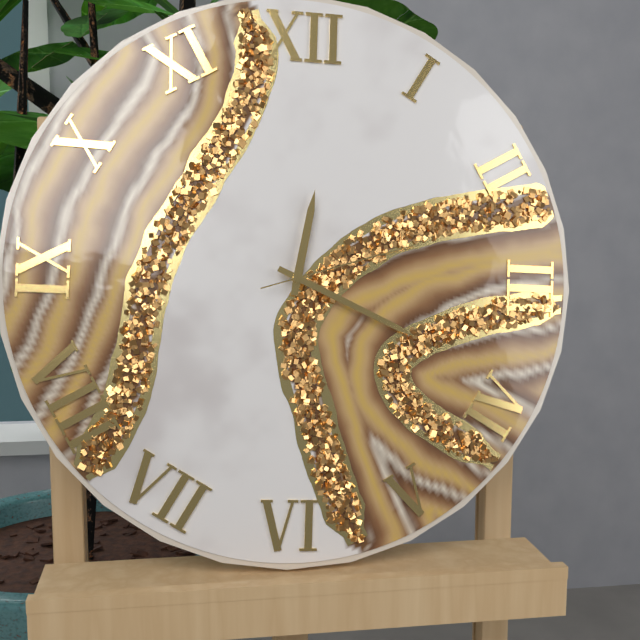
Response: 12:19:12
